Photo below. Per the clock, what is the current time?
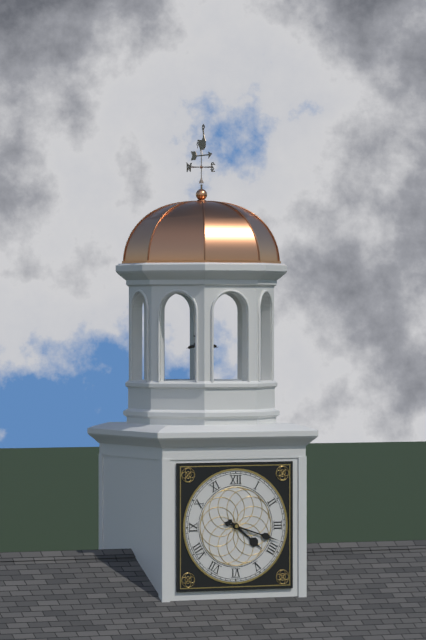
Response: 4:18
